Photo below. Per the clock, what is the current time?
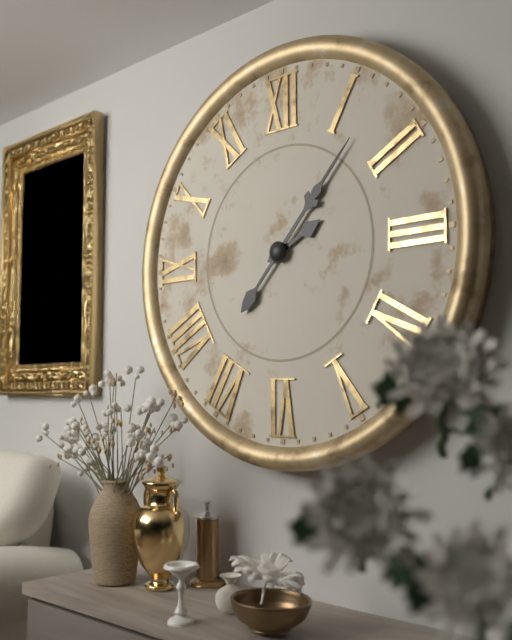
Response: 2:07
